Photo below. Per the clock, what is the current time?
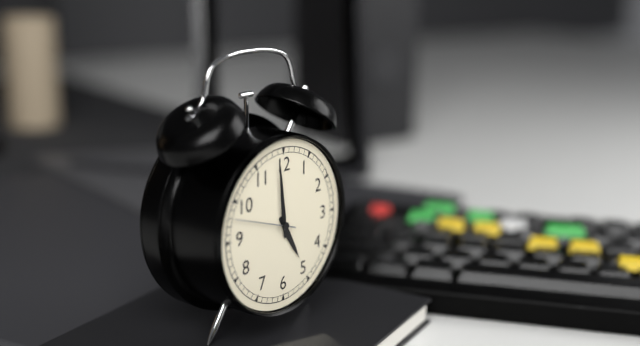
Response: 4:59:48
